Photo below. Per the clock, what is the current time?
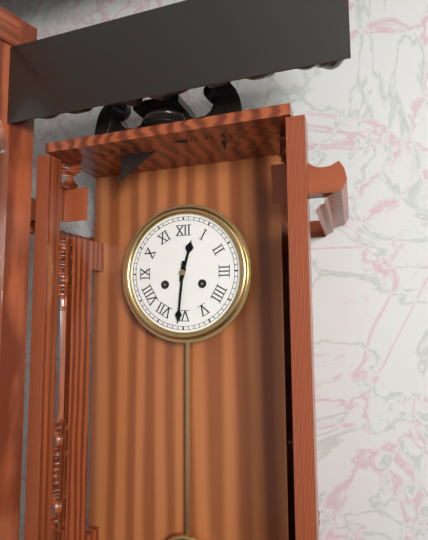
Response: 12:31
